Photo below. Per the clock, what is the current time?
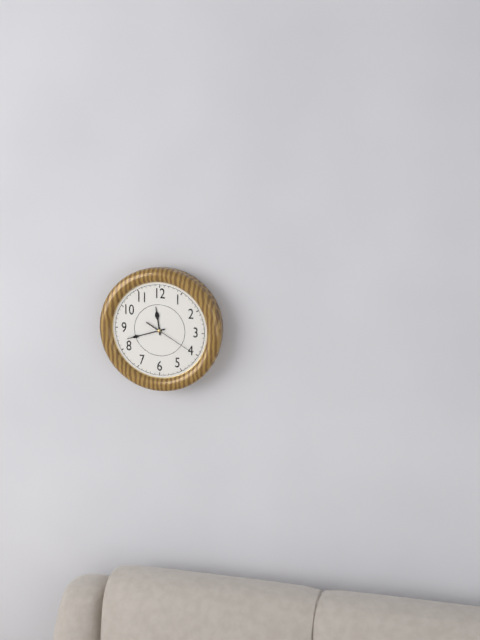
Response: 11:42:20
